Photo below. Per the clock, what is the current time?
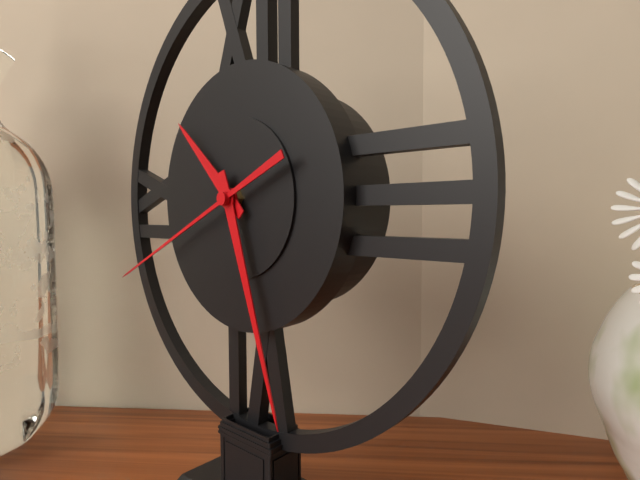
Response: 10:27:41
